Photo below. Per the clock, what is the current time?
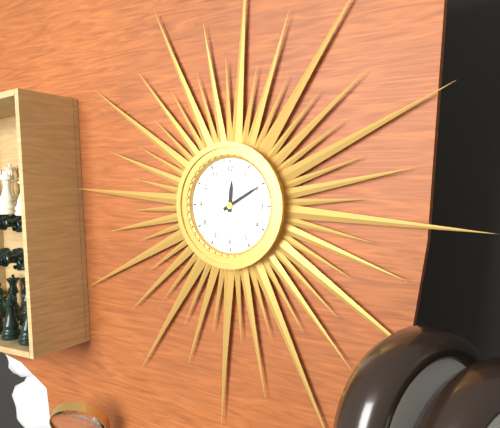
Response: 12:10
